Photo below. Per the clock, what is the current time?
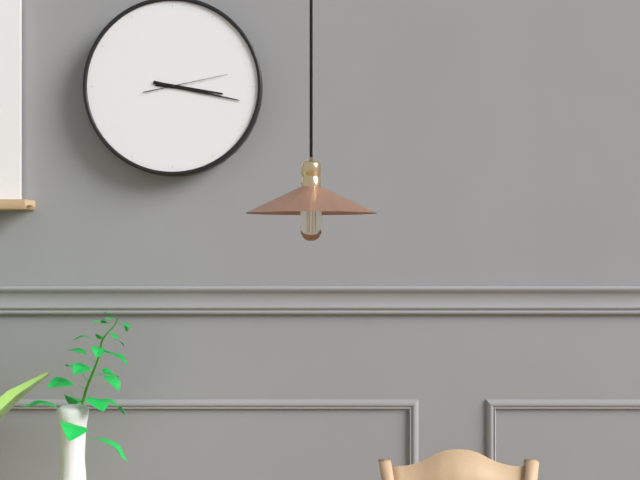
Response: 3:17:13
